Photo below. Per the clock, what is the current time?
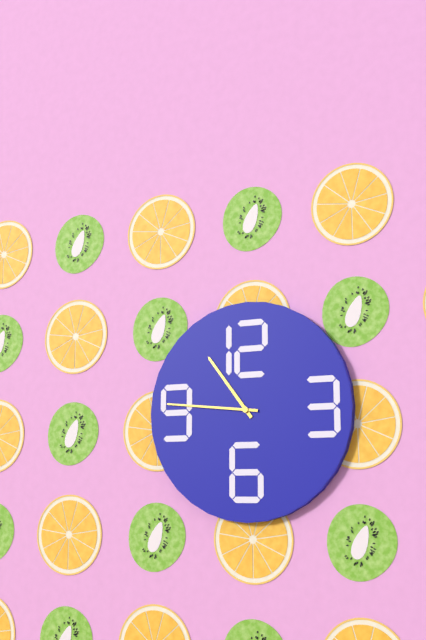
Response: 10:46
